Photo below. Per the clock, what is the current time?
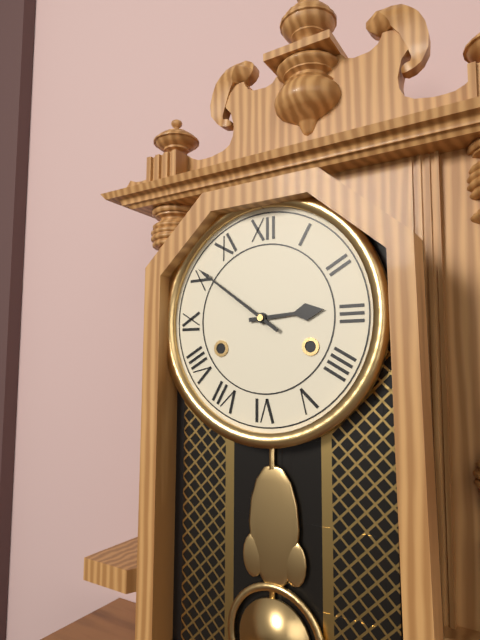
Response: 2:51
